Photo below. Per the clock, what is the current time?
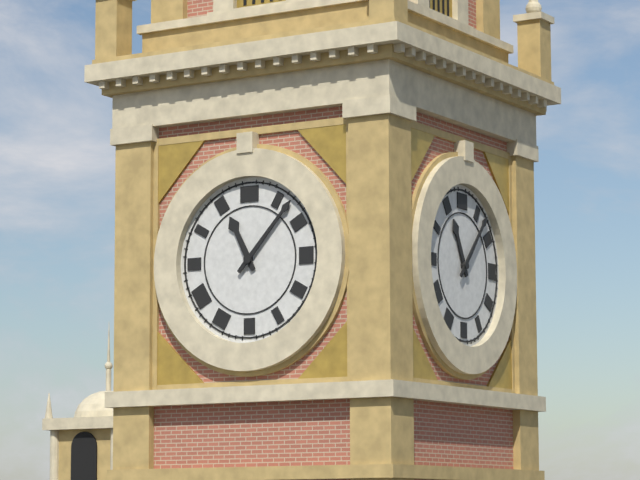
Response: 11:07
